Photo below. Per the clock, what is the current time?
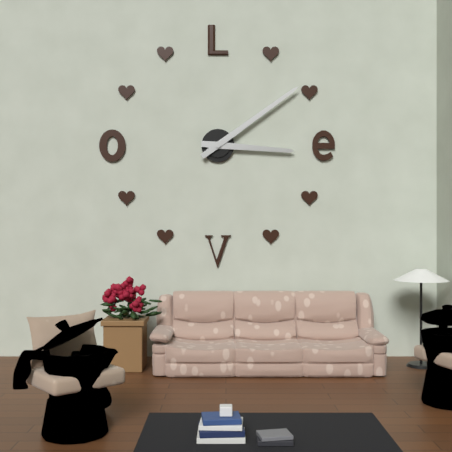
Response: 3:09
